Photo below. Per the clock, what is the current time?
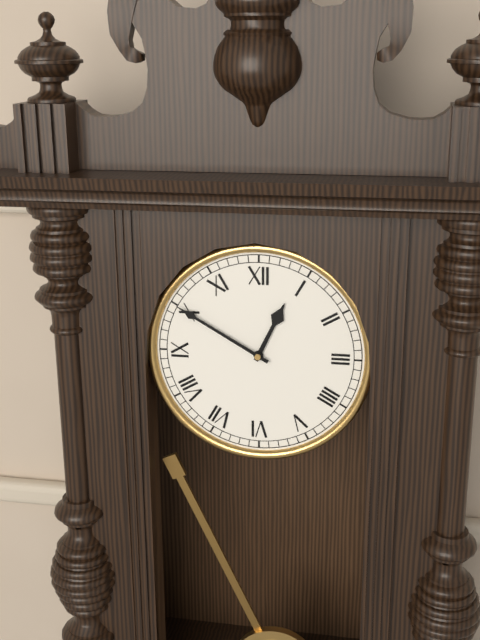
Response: 12:50
